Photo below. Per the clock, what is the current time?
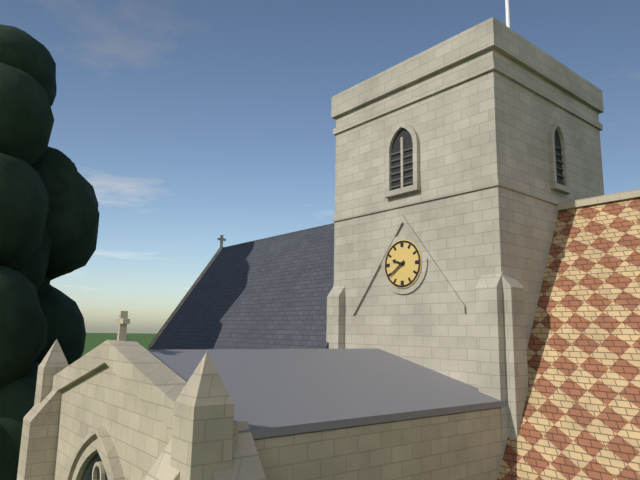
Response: 9:39
